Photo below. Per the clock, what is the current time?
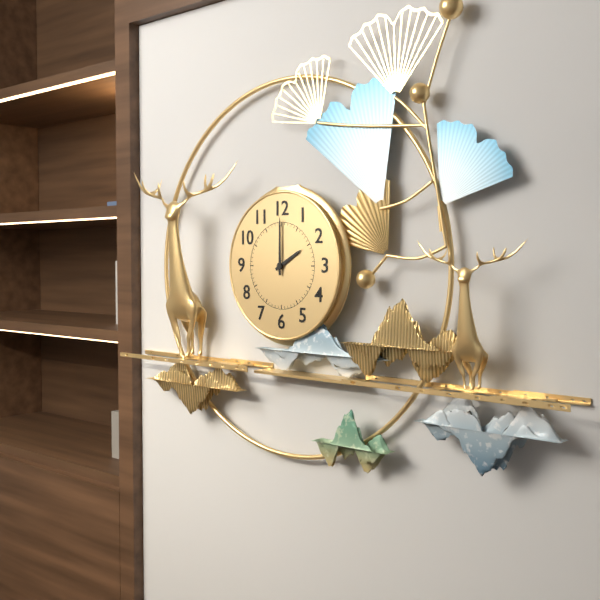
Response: 2:00
